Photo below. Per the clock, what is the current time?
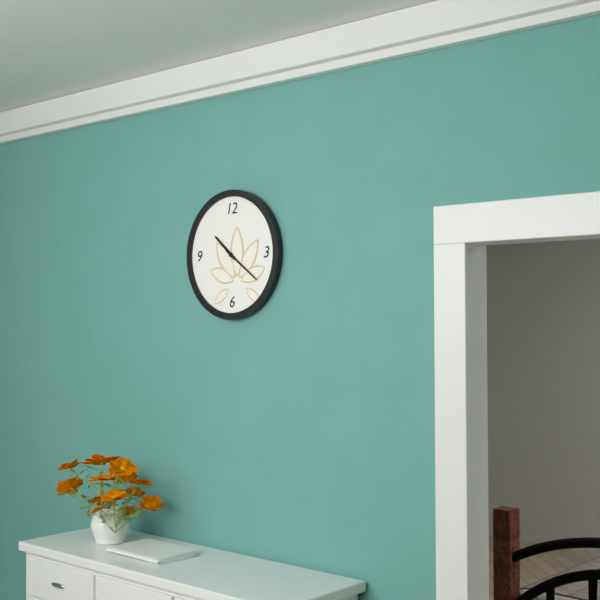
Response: 10:21
